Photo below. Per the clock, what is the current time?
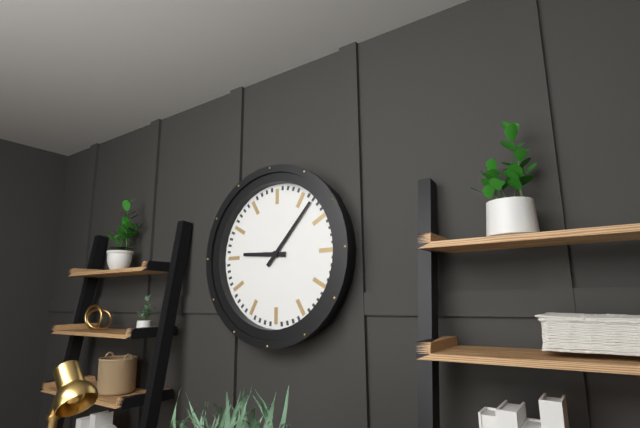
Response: 9:07
